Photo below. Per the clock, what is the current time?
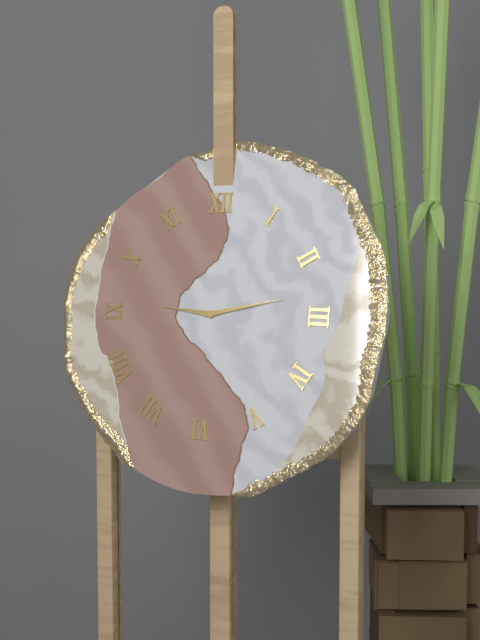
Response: 9:13
